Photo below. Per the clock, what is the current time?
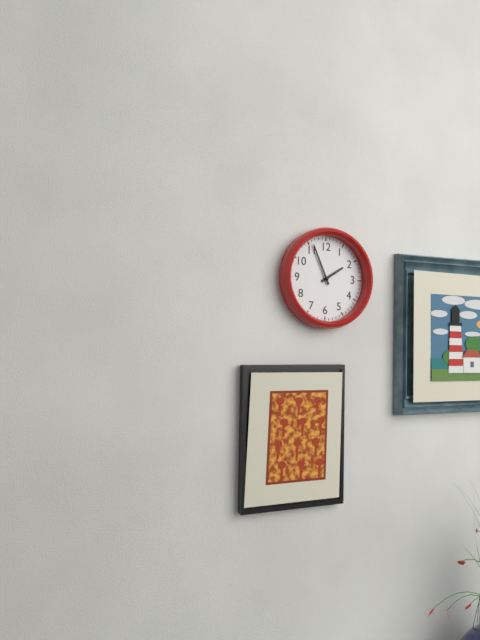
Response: 1:56
